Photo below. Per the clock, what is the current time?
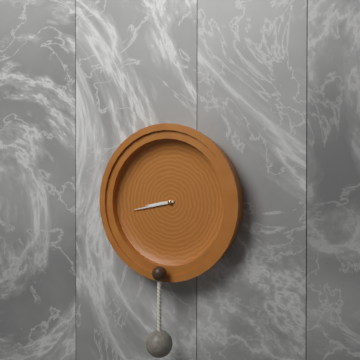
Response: 8:43
